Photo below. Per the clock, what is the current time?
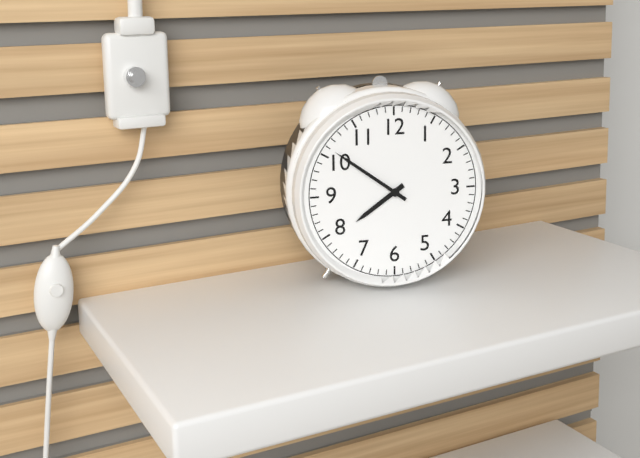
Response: 7:51
